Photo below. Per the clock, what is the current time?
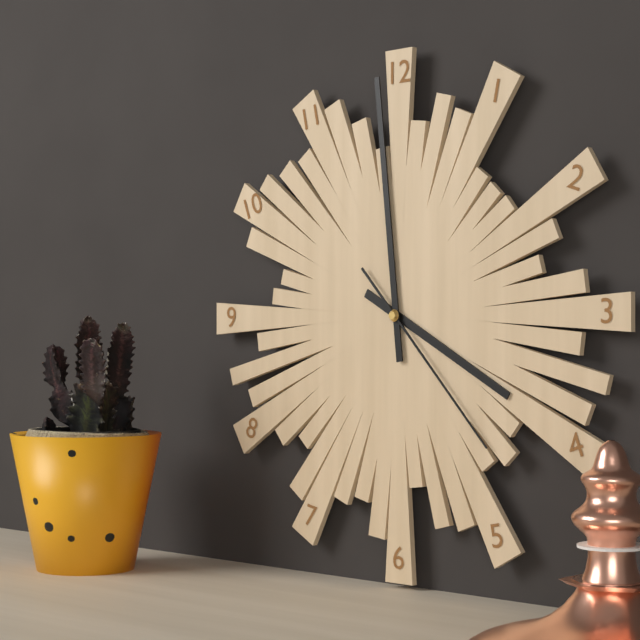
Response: 3:59:23
